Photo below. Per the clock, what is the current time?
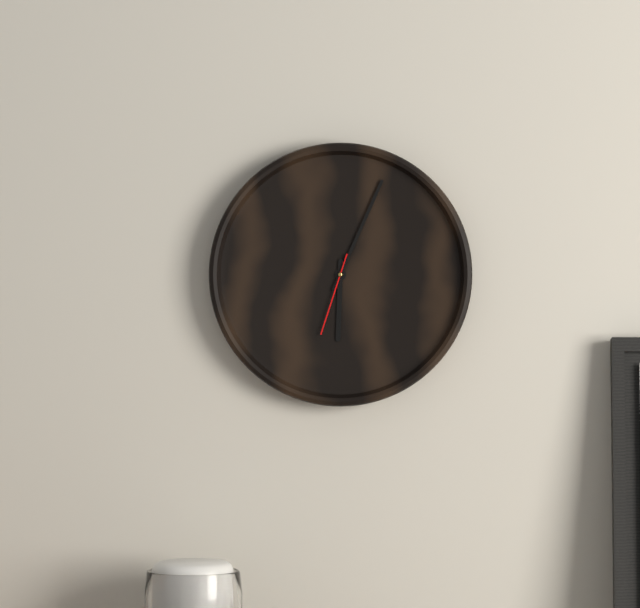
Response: 6:04:33
